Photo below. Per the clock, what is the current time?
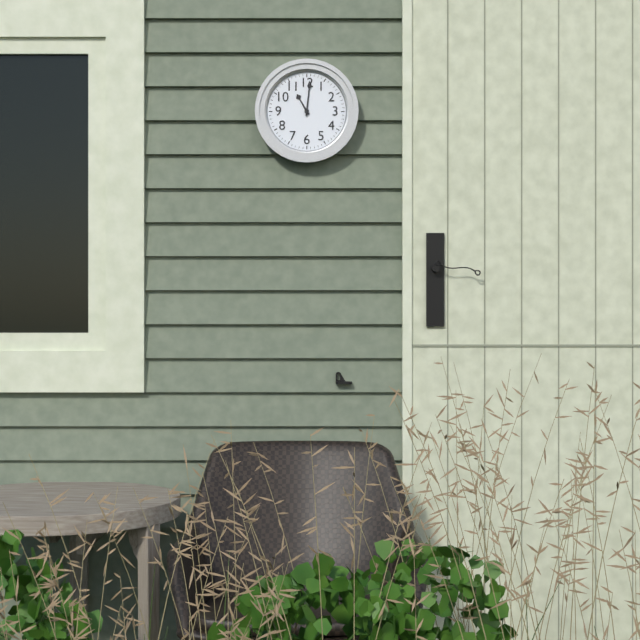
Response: 11:01
